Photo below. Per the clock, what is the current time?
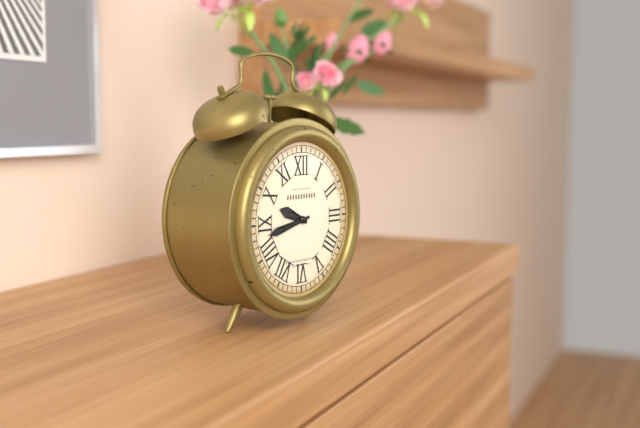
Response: 9:43
